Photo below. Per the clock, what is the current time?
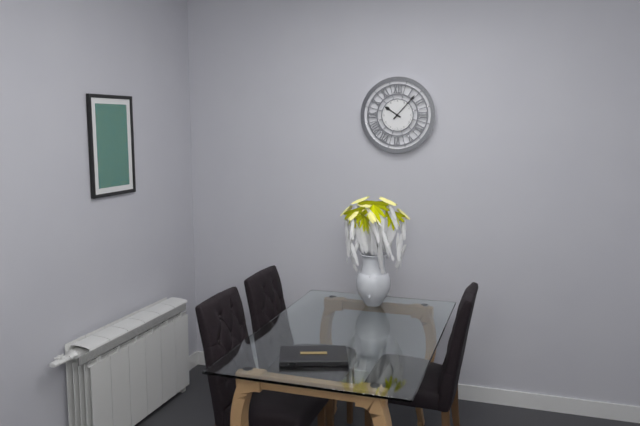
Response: 10:07
